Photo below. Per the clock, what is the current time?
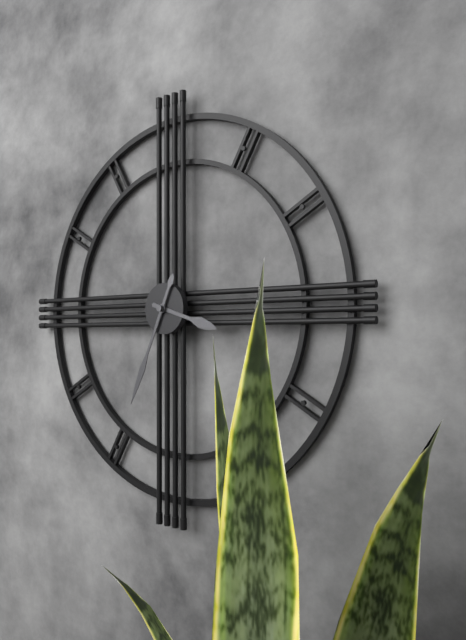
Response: 3:34
